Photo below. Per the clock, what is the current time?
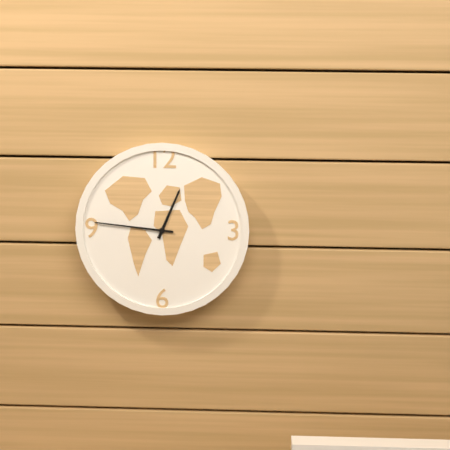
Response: 12:46
